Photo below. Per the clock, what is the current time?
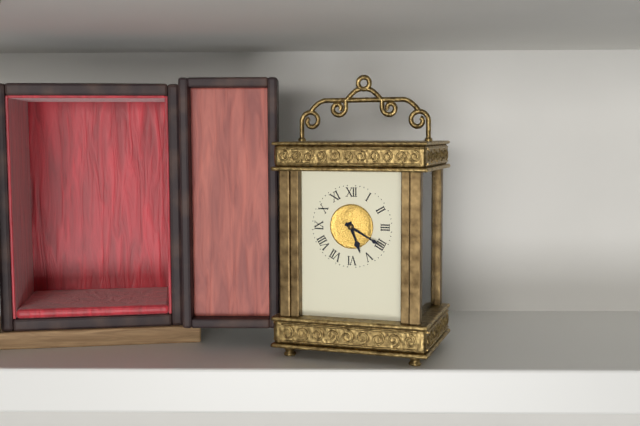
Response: 5:20
